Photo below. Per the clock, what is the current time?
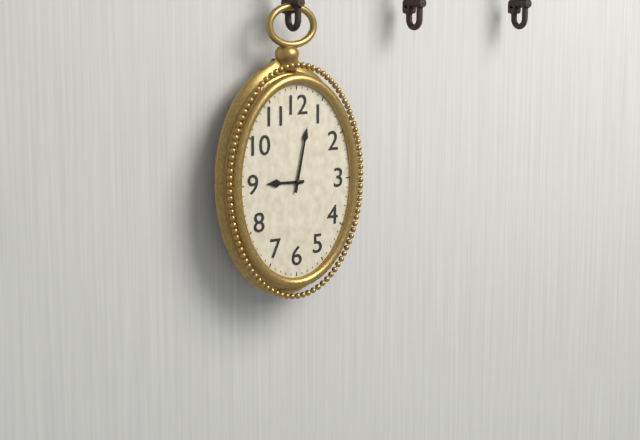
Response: 9:02
